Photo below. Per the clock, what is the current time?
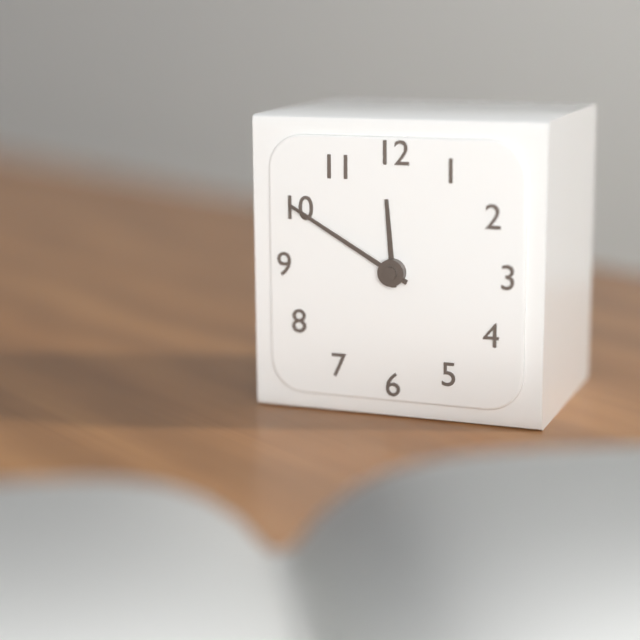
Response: 11:50
